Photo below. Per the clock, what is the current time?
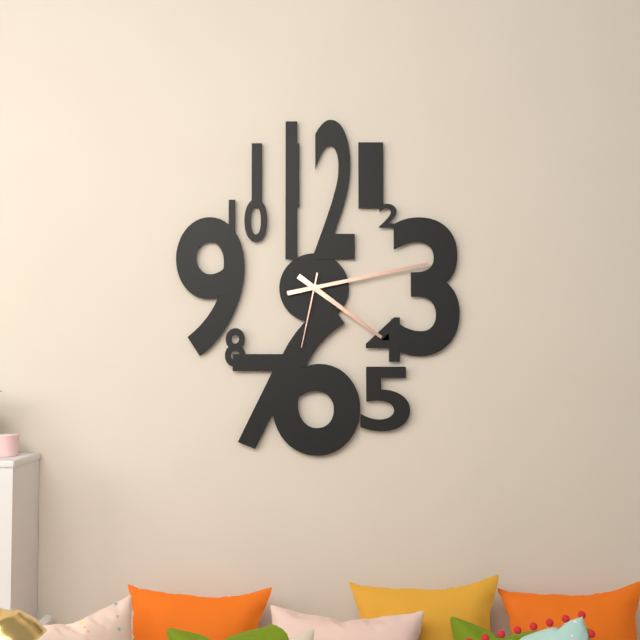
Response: 4:13:32
